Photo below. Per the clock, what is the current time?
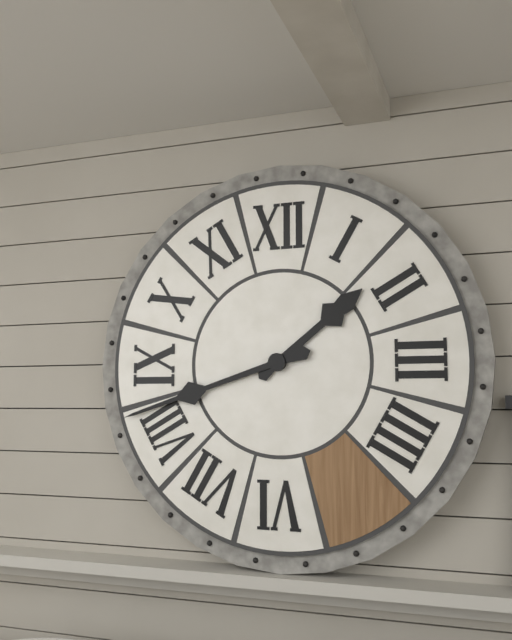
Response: 1:42
